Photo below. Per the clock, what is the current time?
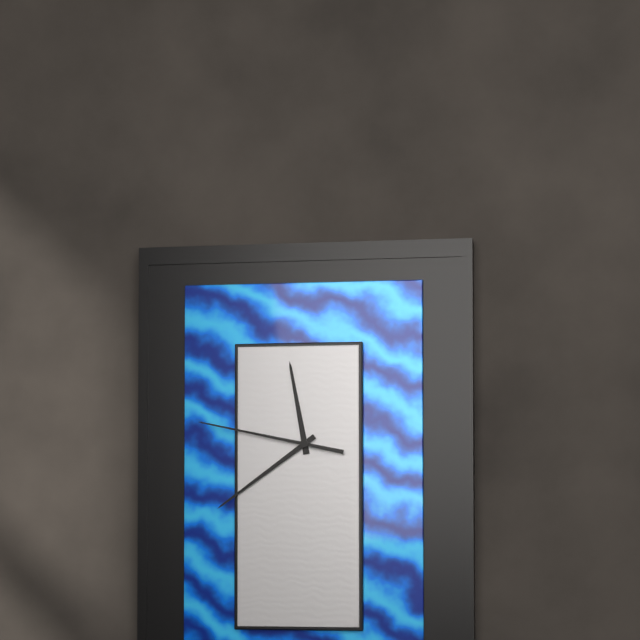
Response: 11:39:47
